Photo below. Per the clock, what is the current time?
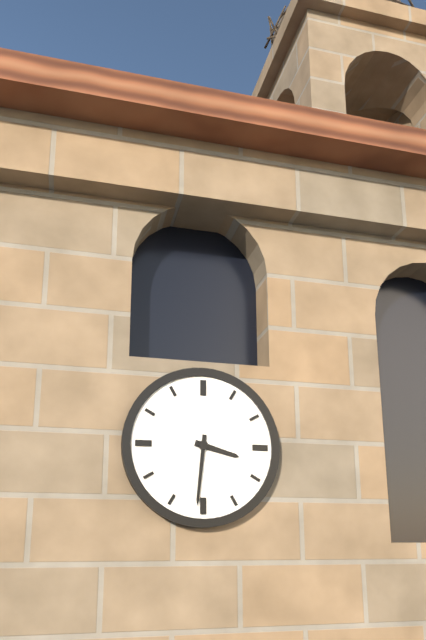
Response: 3:31
